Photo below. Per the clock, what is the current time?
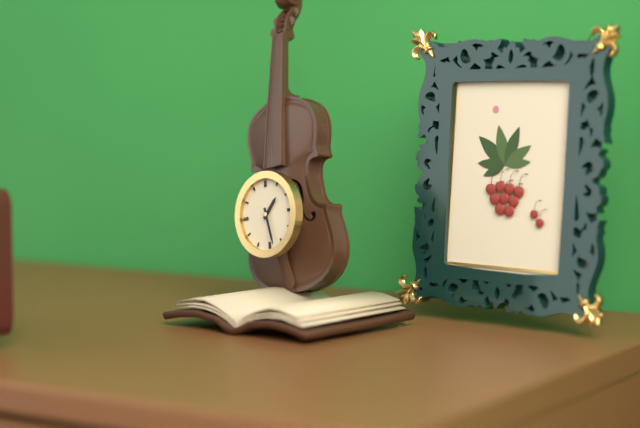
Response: 1:28
